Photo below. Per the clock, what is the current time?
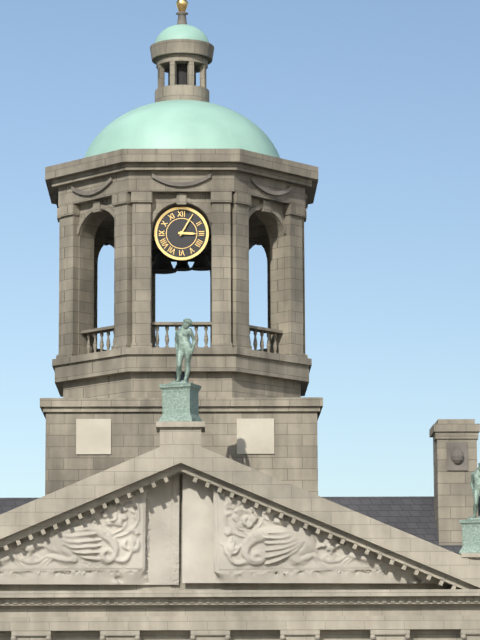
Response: 3:05
